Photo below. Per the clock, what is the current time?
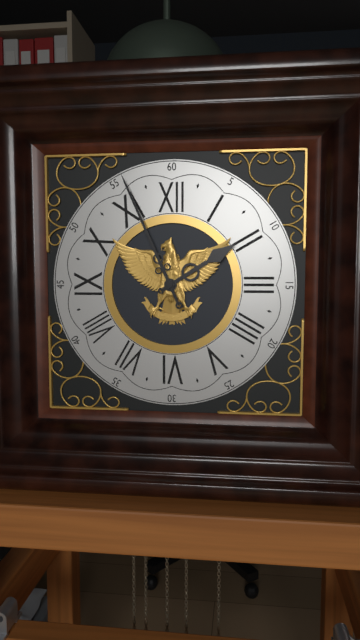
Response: 1:56
